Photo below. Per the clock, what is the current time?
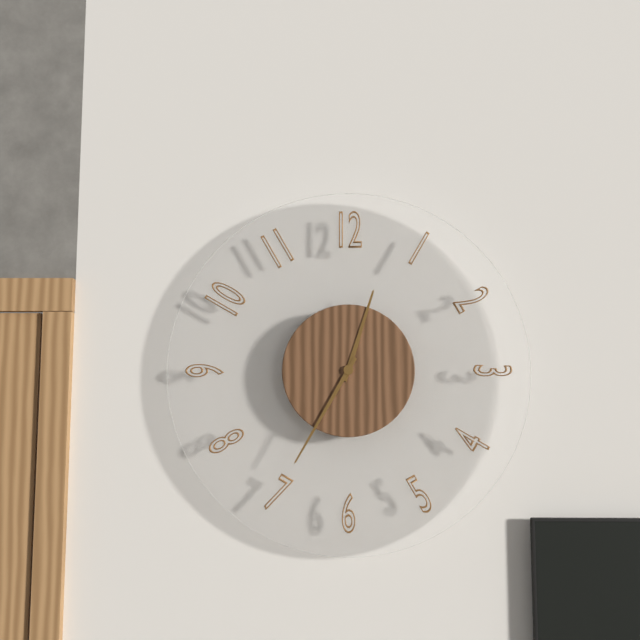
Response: 12:35
